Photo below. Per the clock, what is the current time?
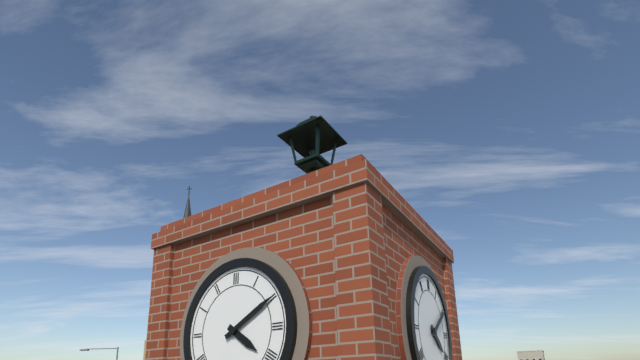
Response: 4:10
